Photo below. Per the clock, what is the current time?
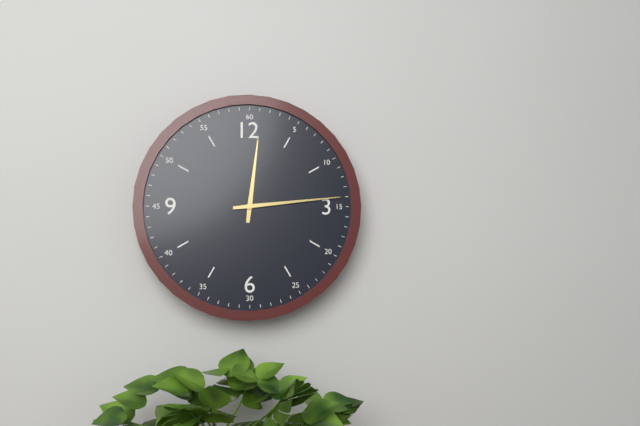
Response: 12:14
